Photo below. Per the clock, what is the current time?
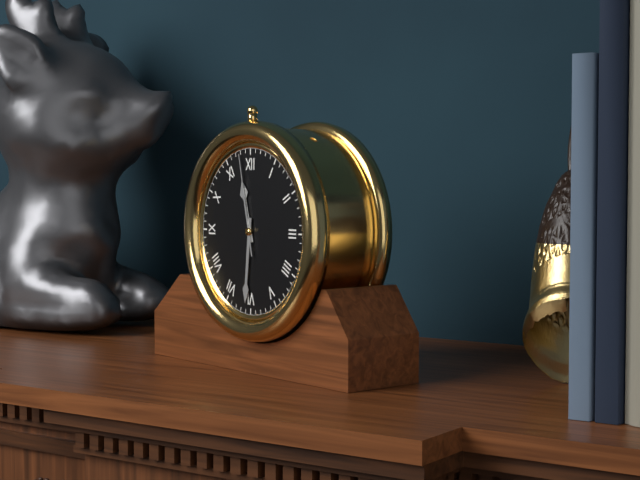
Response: 11:31:58
